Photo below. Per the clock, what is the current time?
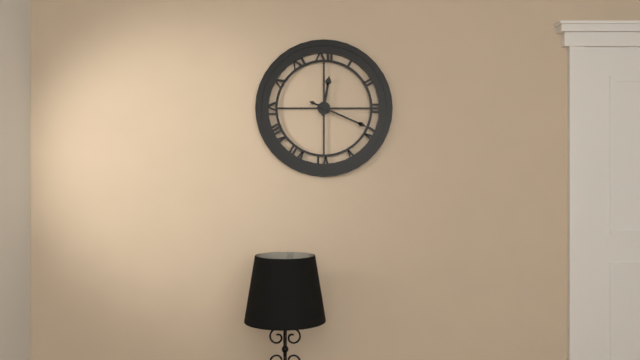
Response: 12:19
